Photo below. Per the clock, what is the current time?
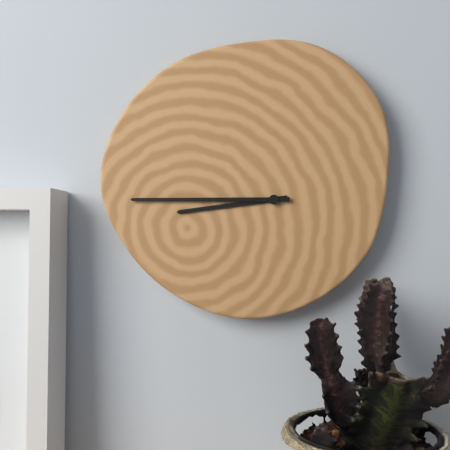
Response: 8:45
